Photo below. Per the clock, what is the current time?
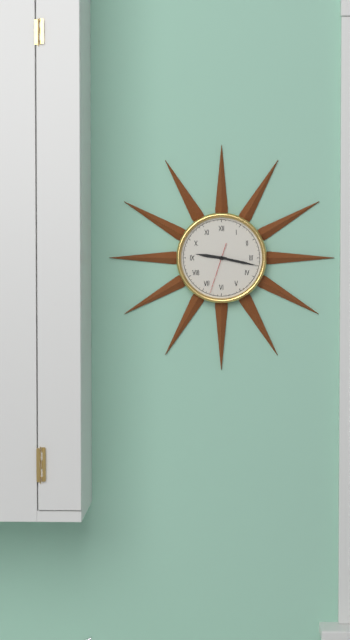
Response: 9:17
